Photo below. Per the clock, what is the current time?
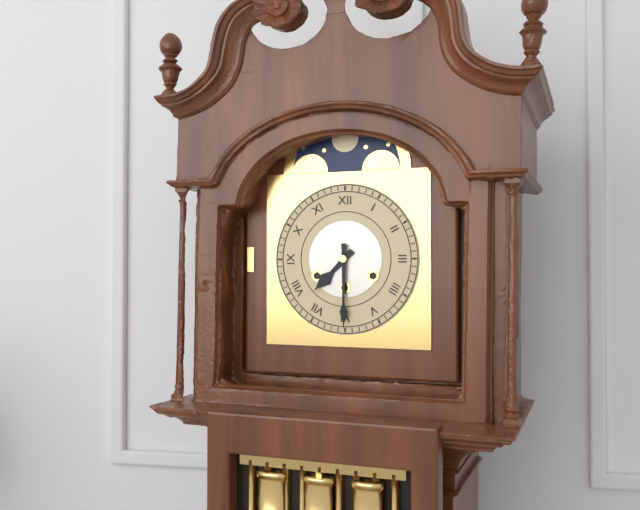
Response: 7:30
